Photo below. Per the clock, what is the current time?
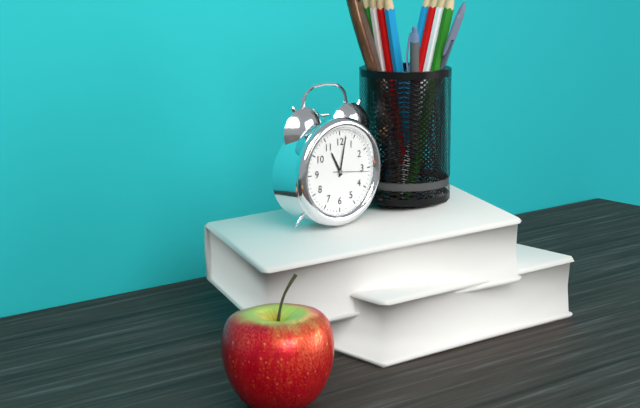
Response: 11:02
